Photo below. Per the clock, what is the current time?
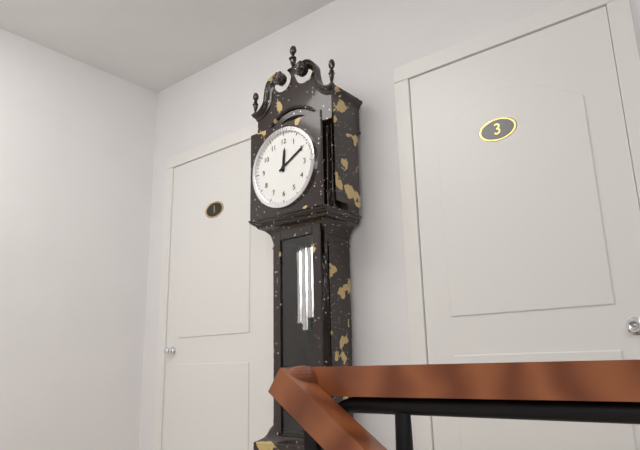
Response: 12:10
